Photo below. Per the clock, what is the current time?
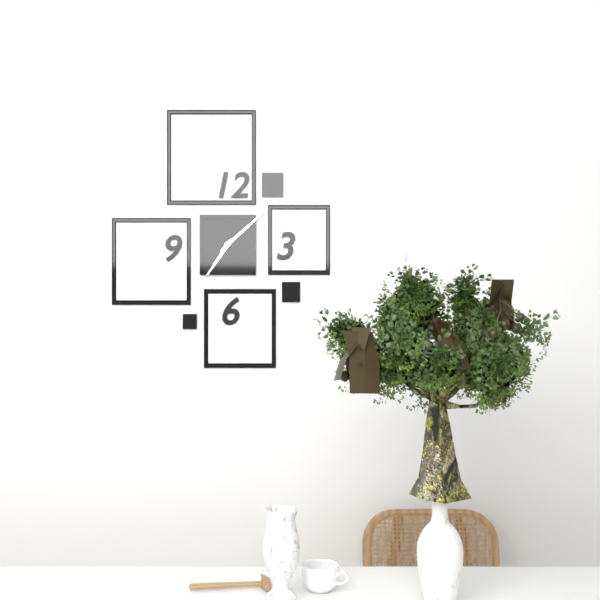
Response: 7:08
